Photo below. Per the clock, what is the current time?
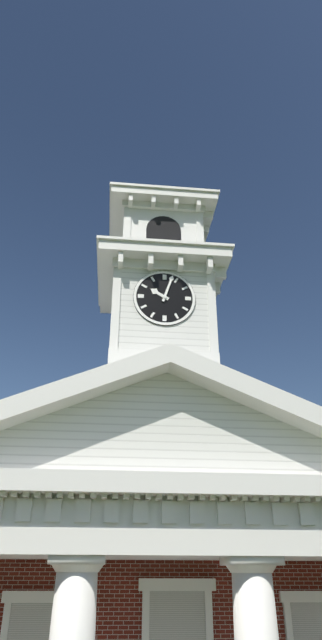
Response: 10:03
